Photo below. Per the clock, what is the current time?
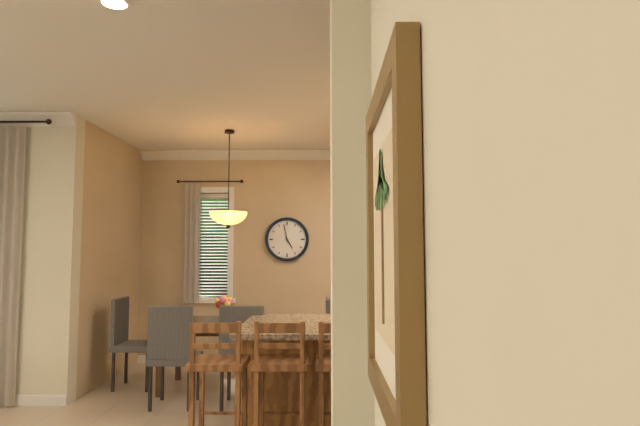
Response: 4:58
